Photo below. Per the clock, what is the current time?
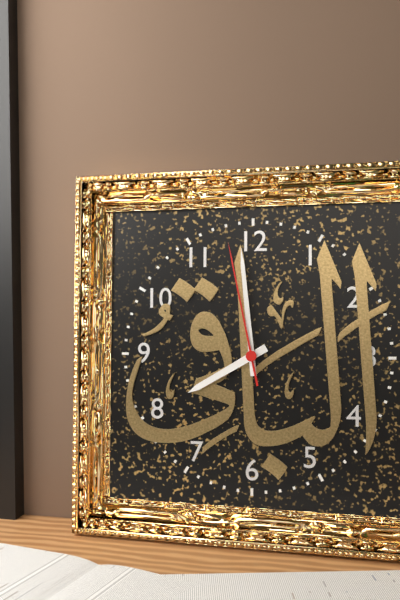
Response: 7:59:58
